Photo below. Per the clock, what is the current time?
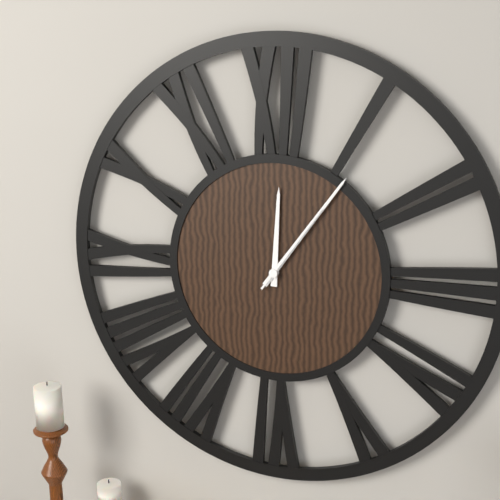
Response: 12:06:06
